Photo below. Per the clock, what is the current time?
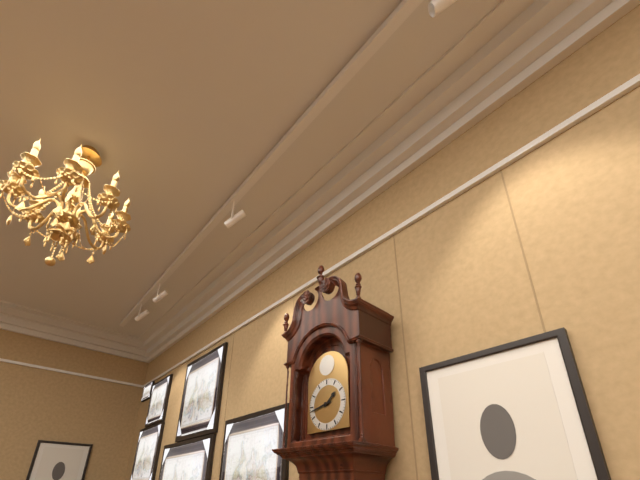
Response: 1:43
